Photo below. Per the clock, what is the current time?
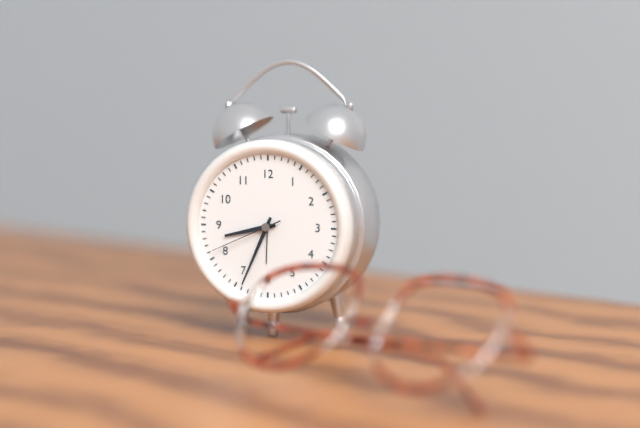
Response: 8:34:41
